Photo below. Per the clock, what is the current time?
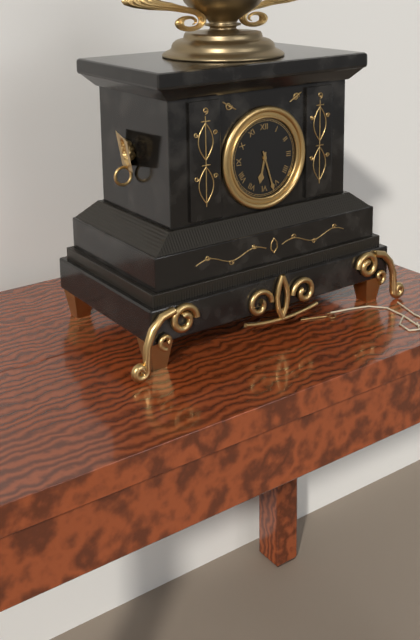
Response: 6:27
